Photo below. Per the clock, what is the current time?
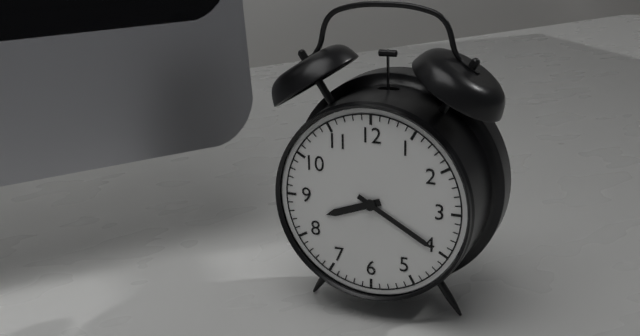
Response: 8:20
